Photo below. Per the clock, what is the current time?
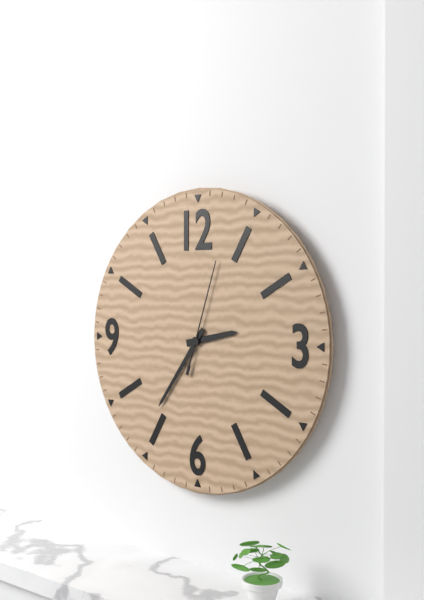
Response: 2:36:03
